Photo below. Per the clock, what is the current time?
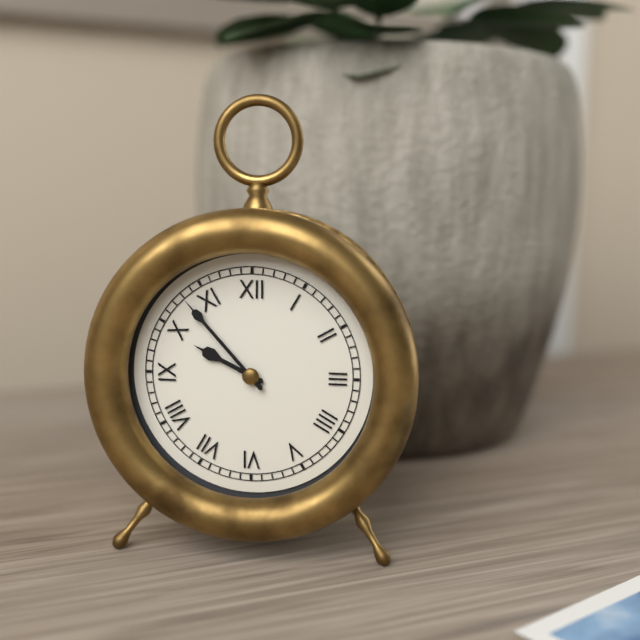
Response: 9:53
